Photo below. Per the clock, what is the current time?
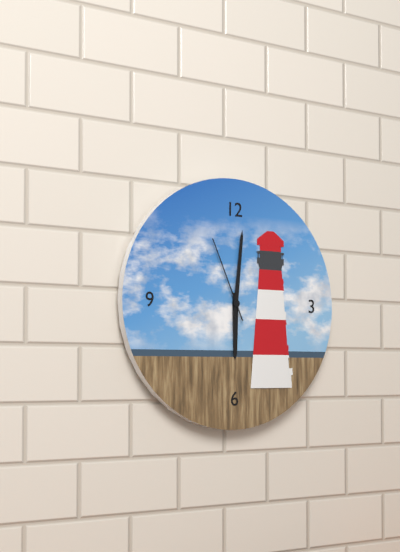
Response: 6:01:56
